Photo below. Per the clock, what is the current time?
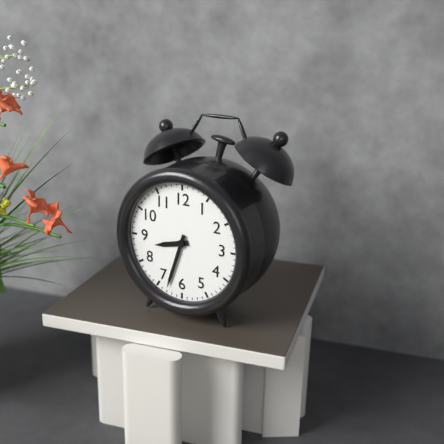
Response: 8:33
